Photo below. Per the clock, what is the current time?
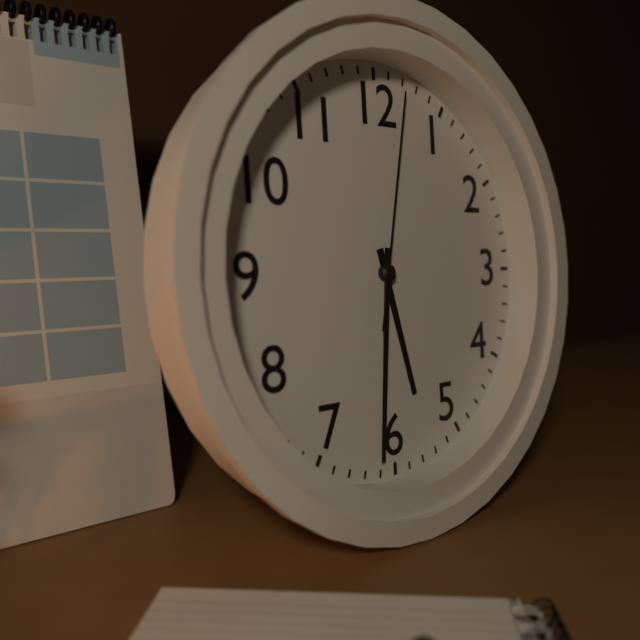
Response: 5:31:02
